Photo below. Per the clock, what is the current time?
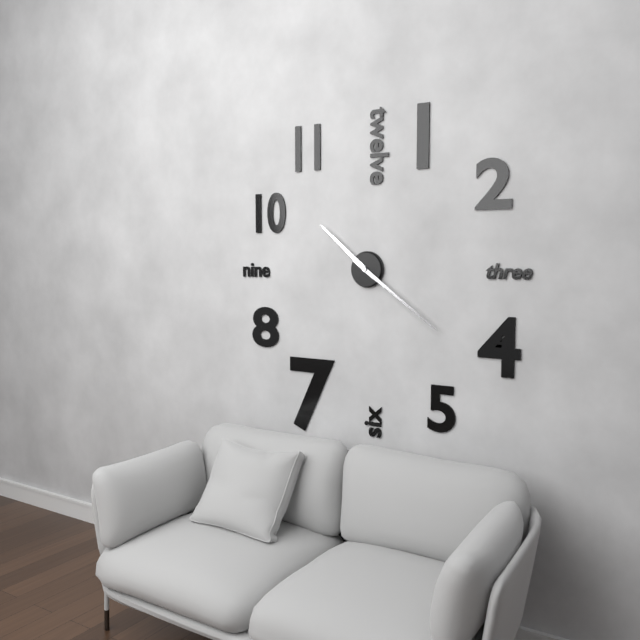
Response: 10:21
